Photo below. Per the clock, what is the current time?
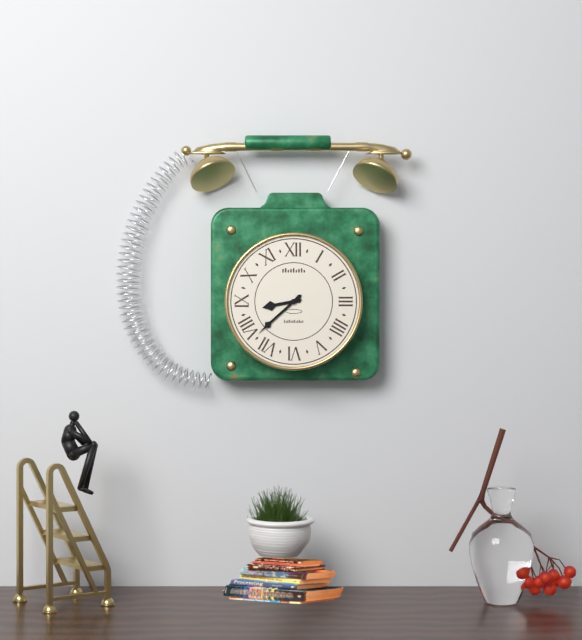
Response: 8:38
